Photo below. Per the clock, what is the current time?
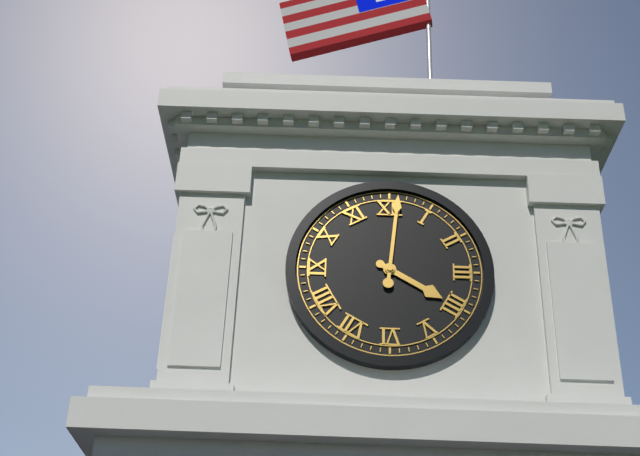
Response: 4:01
